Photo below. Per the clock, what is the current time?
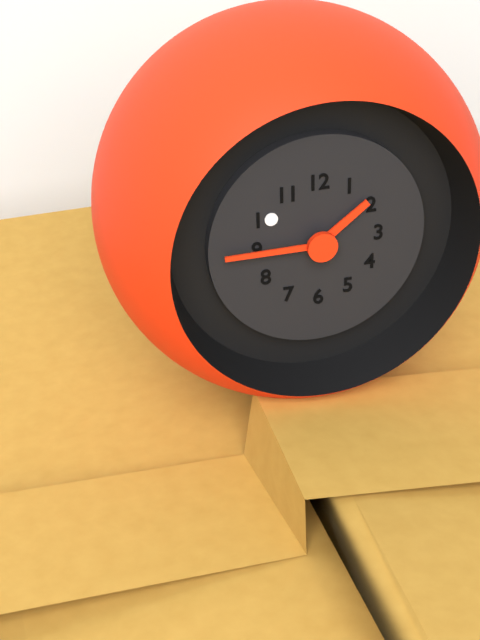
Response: 1:45
